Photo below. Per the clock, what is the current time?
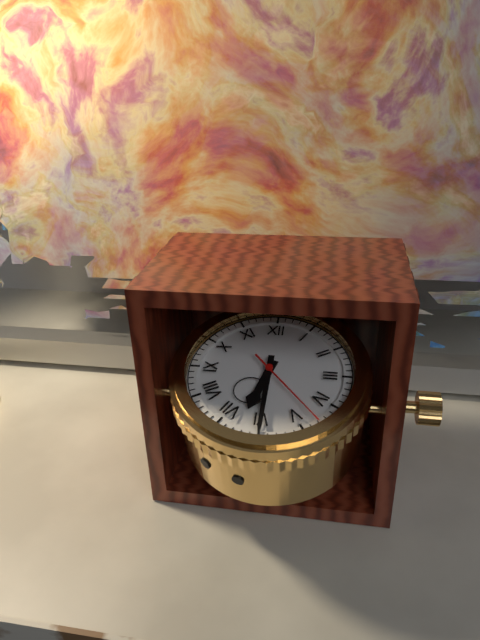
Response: 6:30:23
